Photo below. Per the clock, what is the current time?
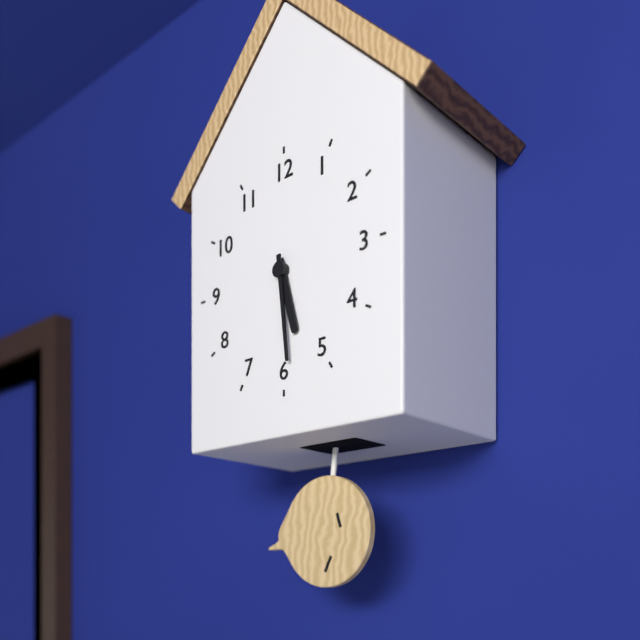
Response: 5:29
